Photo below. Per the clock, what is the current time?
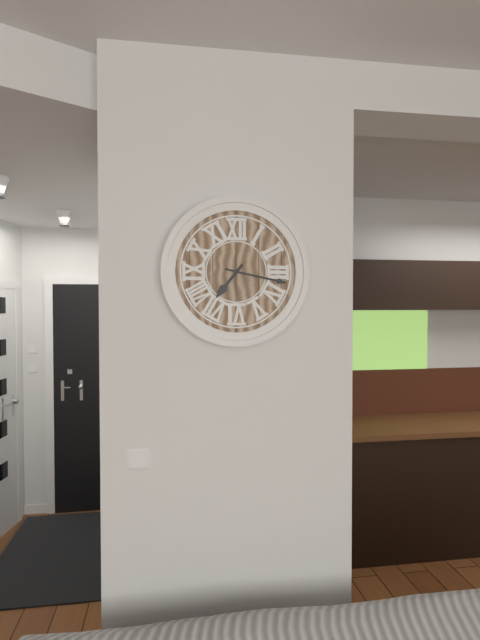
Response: 7:17
